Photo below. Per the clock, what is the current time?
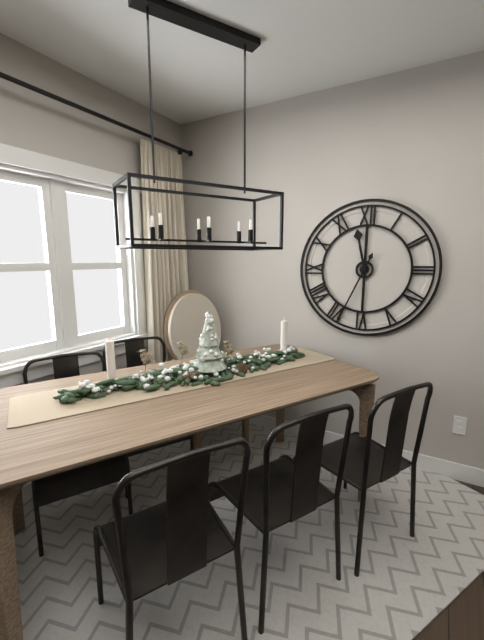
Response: 11:34
